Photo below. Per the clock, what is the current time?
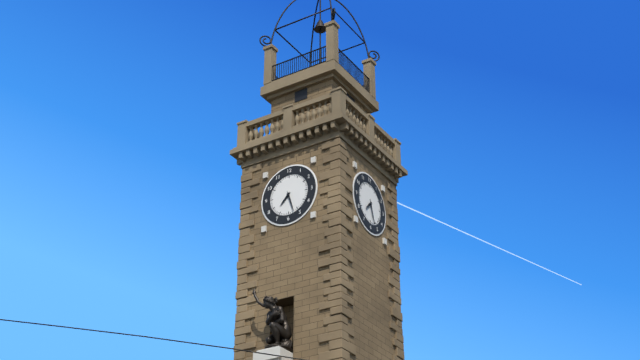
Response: 7:27
